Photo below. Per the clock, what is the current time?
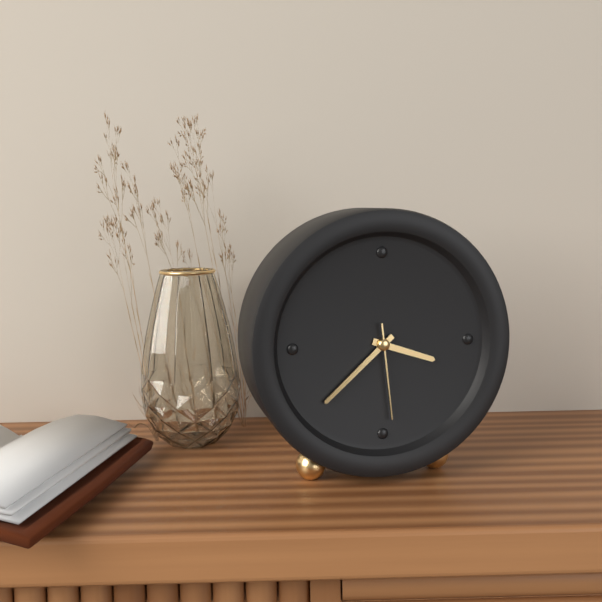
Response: 3:38:29
